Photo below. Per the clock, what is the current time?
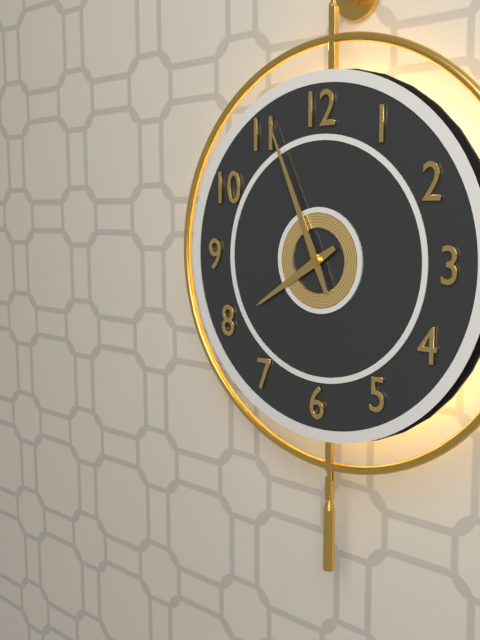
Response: 7:56
